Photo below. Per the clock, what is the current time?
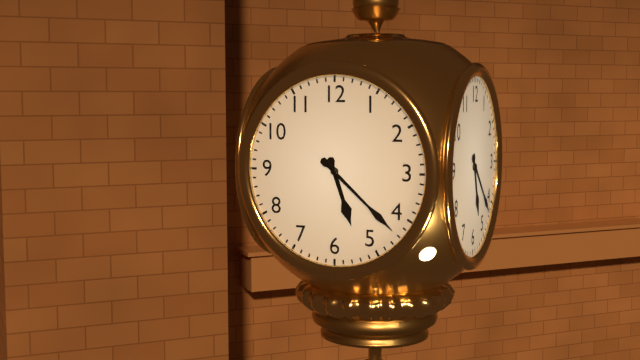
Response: 5:22
